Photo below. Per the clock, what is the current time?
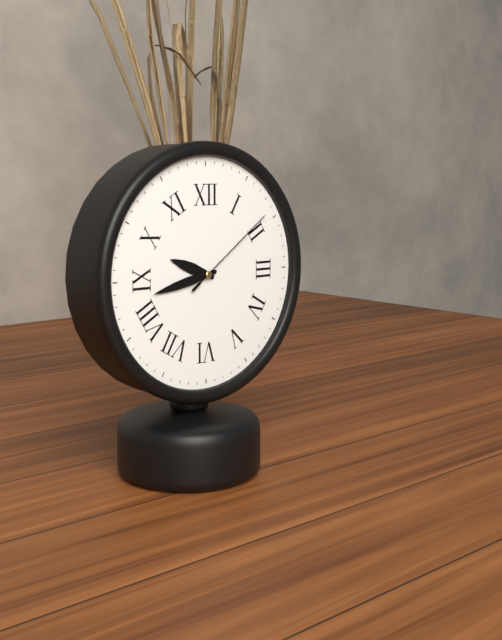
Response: 9:43:09
